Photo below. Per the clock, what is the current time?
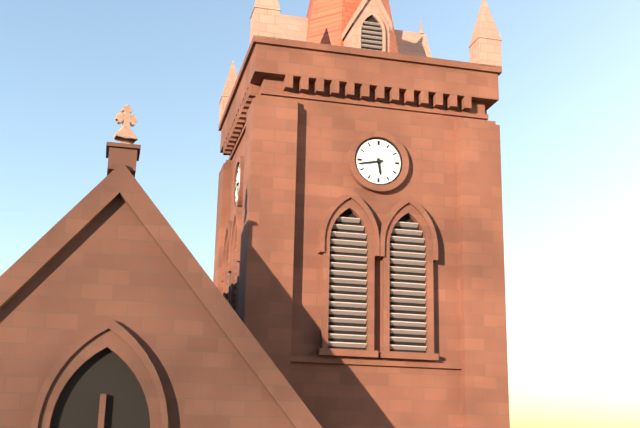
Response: 5:43
